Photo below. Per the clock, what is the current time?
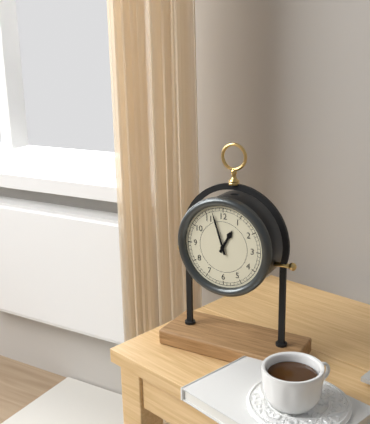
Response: 12:57
